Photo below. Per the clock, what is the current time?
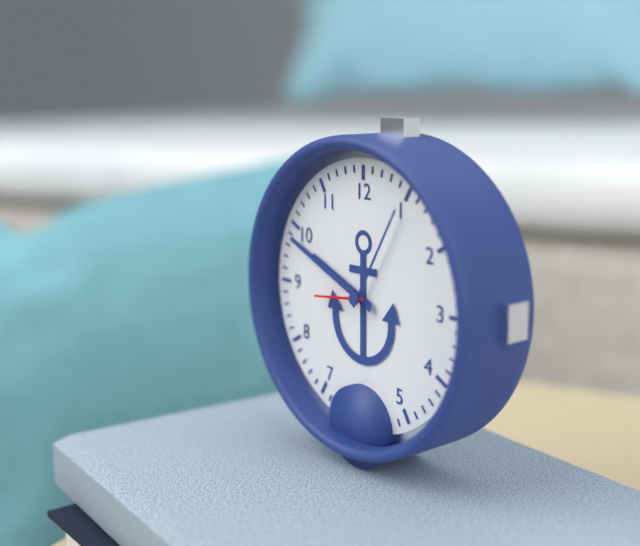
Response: 9:49:44
